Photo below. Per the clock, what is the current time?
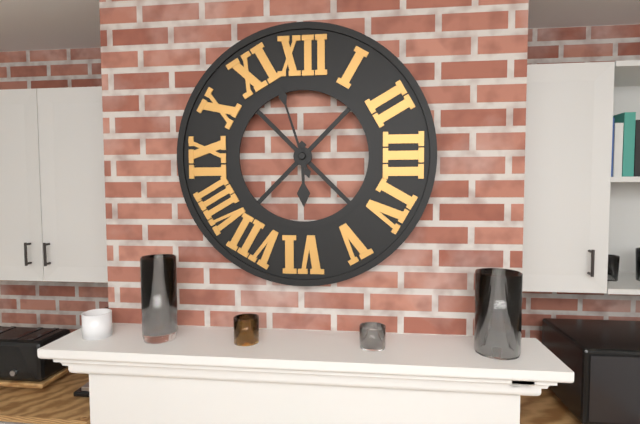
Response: 5:57
